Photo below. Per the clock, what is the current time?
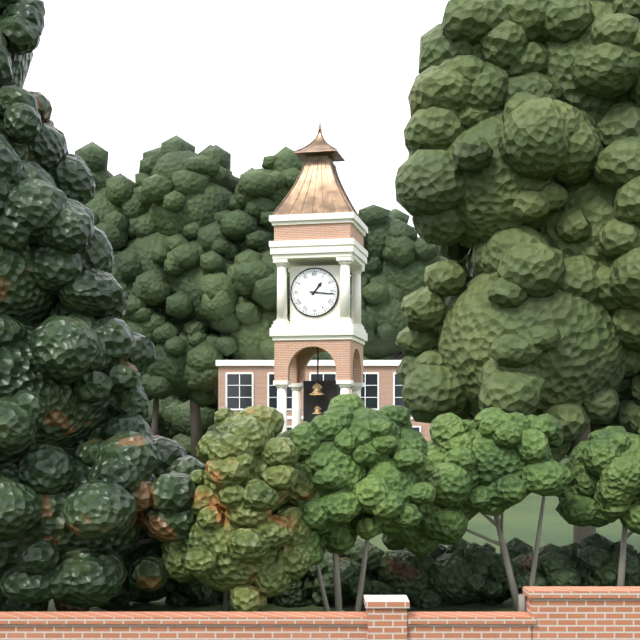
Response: 1:16
